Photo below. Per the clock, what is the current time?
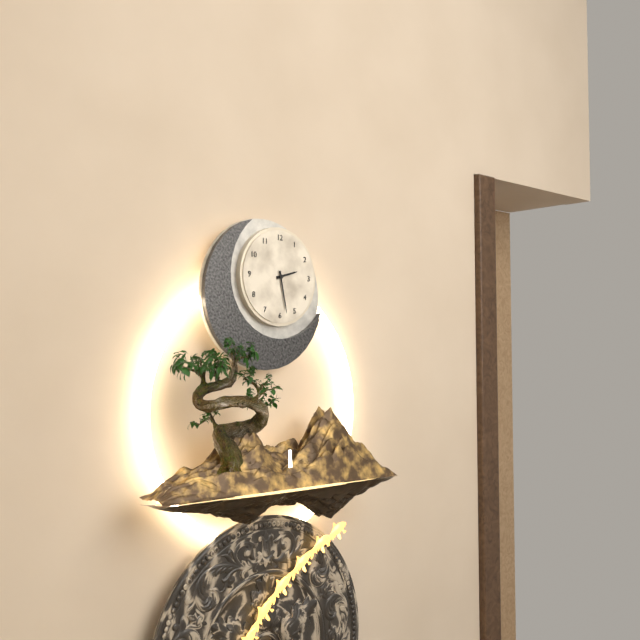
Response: 2:28
